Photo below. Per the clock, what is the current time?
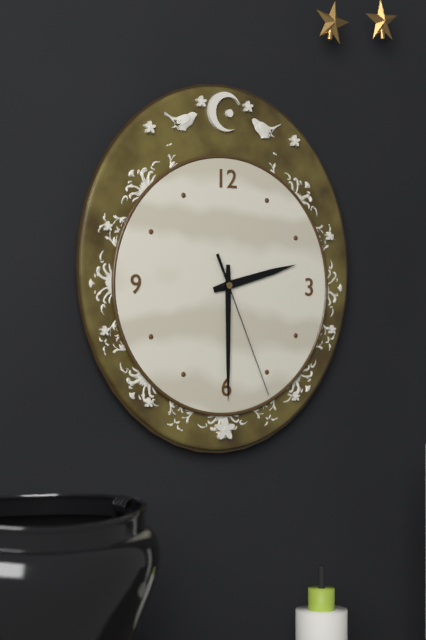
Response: 2:30:26
